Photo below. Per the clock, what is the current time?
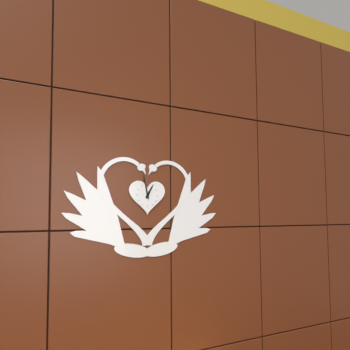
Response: 12:58
